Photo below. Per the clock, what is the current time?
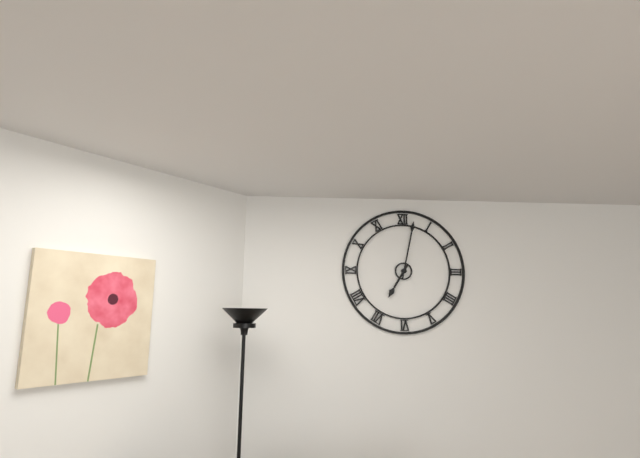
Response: 7:02
